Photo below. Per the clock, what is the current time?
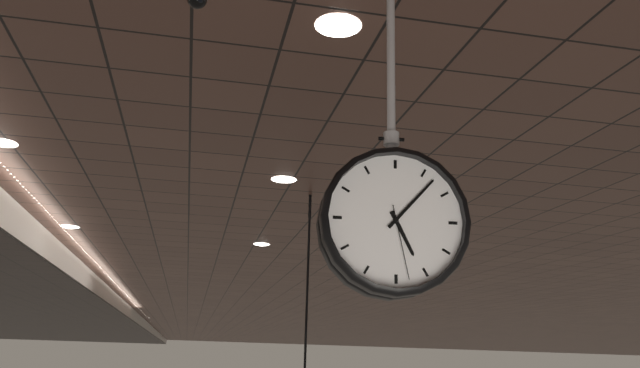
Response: 5:07:28
